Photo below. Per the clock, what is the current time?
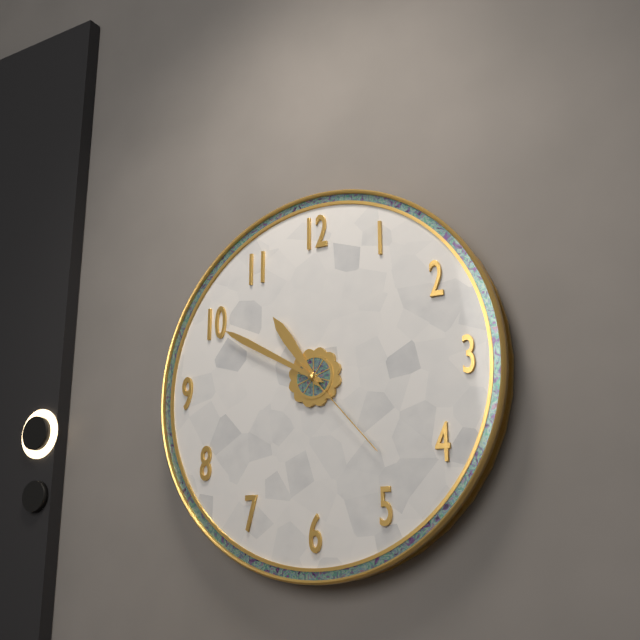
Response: 10:50:23
